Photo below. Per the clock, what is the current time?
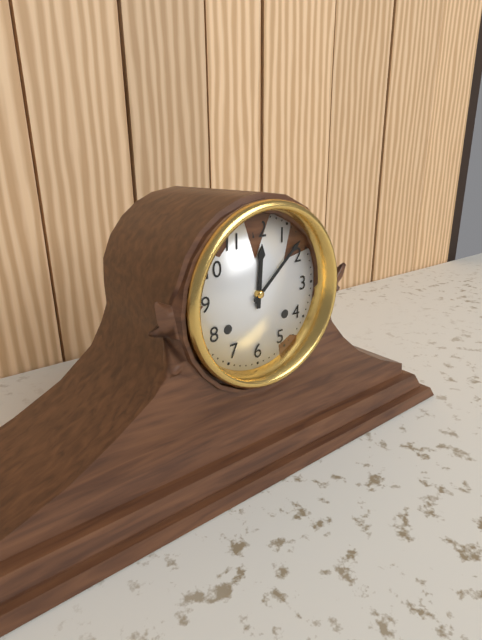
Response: 12:08
